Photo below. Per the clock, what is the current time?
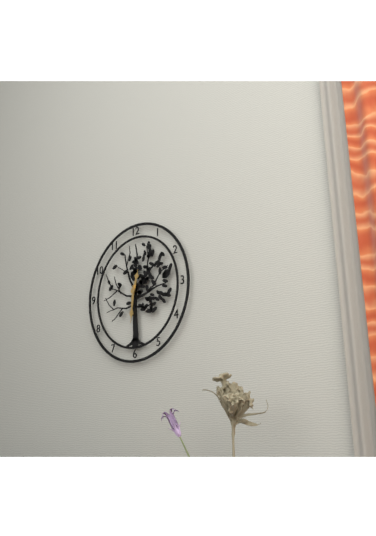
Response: 12:31
